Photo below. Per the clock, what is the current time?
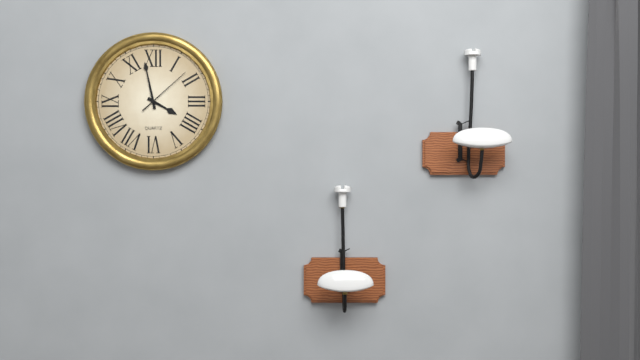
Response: 3:58:08
